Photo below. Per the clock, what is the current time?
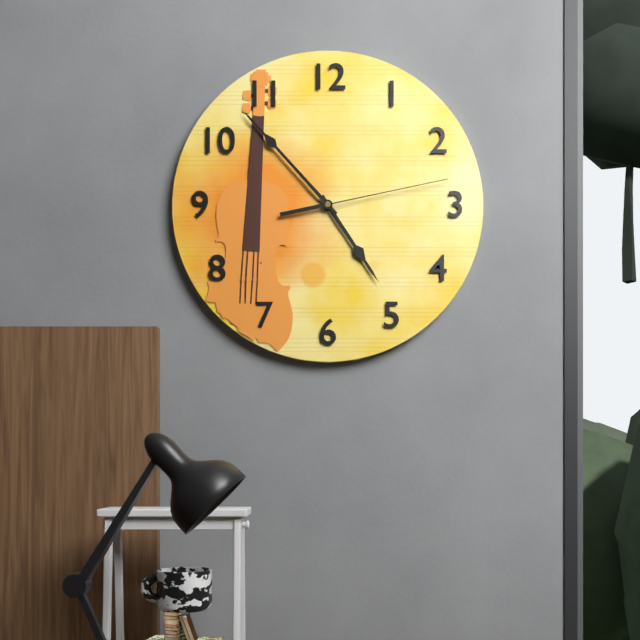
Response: 4:53:13
